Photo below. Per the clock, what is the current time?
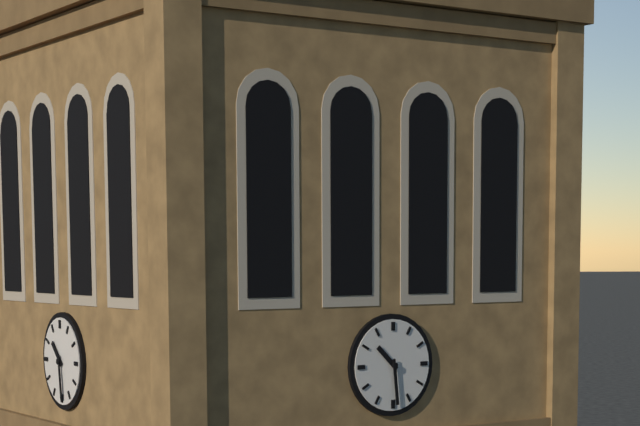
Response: 10:29
